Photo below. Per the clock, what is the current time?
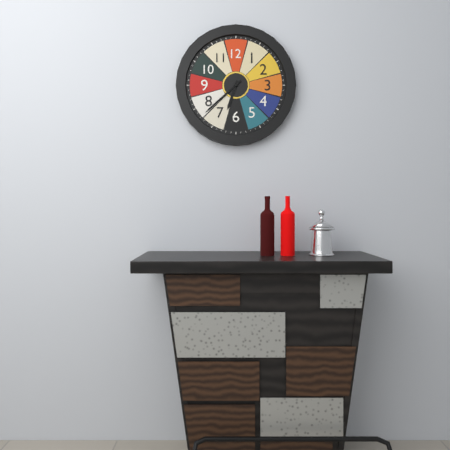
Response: 6:38
